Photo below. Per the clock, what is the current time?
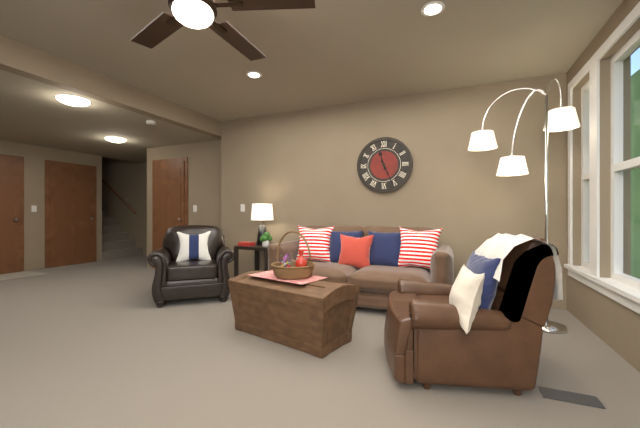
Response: 11:26
